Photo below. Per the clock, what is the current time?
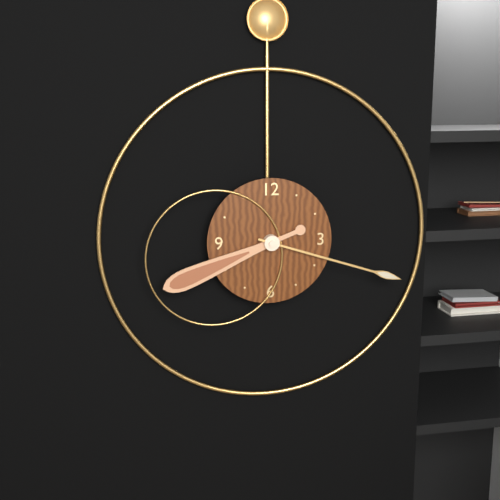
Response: 8:18
